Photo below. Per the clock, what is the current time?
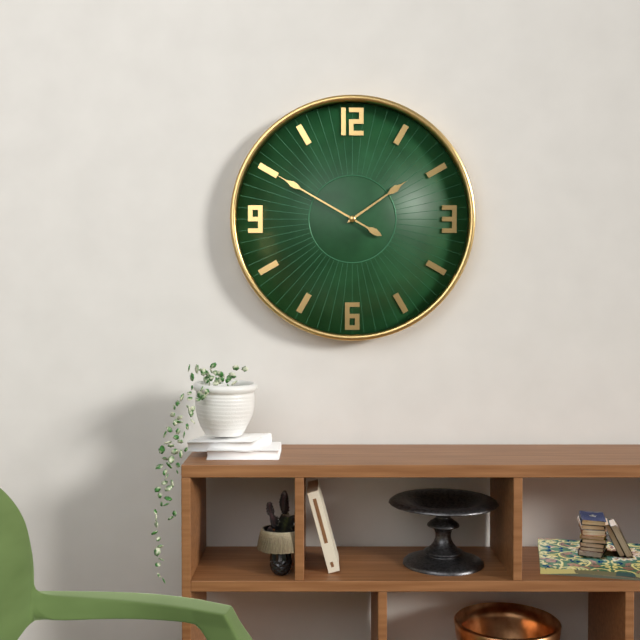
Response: 1:50
